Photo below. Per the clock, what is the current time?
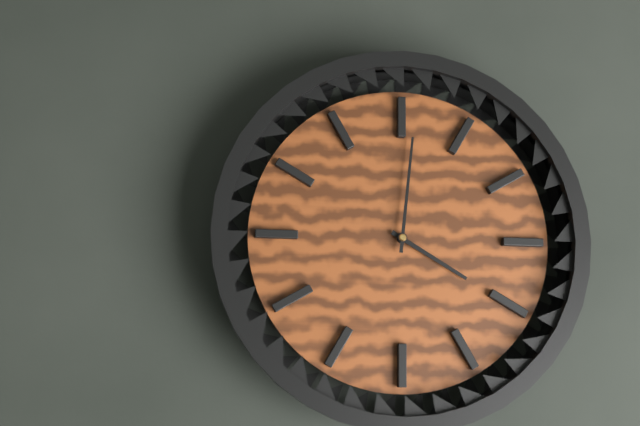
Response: 4:01
